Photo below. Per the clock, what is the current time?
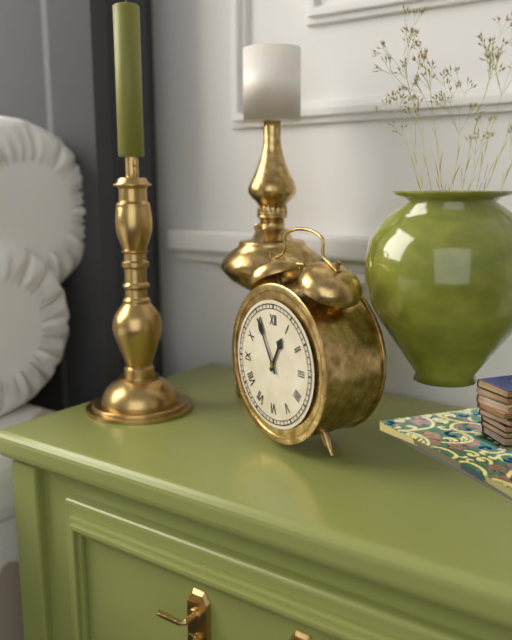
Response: 12:55
